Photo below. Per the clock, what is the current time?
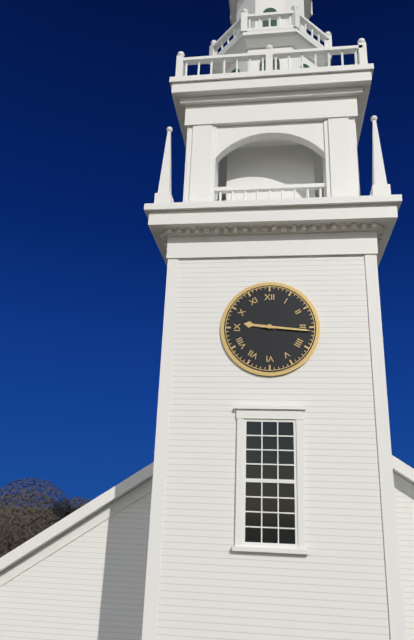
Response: 9:16
